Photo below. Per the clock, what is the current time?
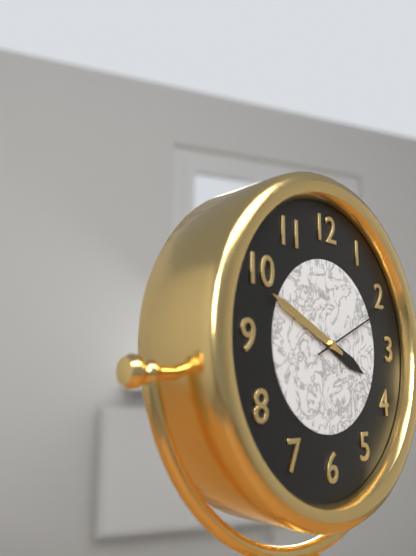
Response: 3:49:11
